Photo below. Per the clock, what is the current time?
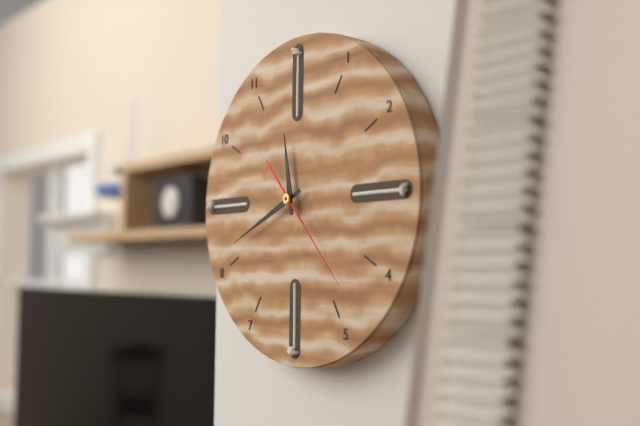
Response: 11:41:23
